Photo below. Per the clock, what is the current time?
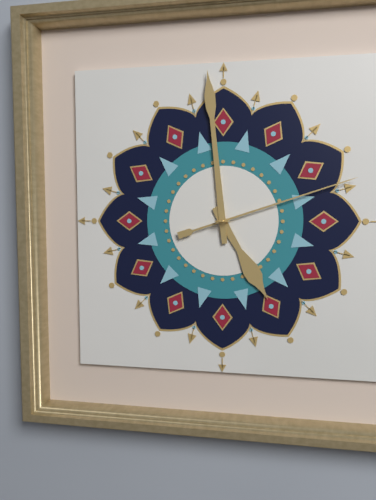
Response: 4:59:12
